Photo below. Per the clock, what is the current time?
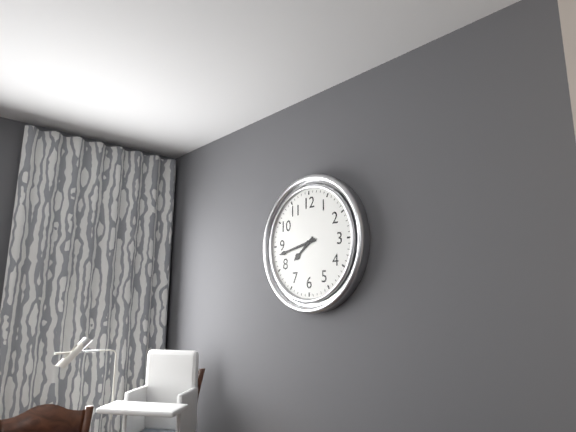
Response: 7:43
